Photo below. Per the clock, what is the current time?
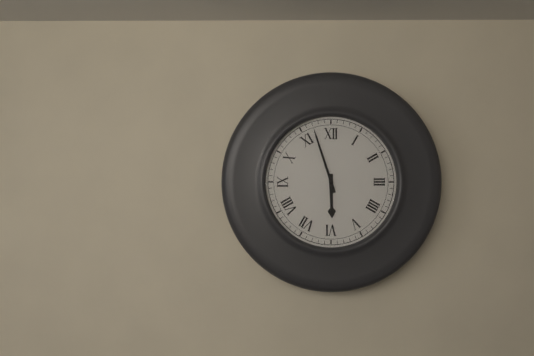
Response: 5:57
